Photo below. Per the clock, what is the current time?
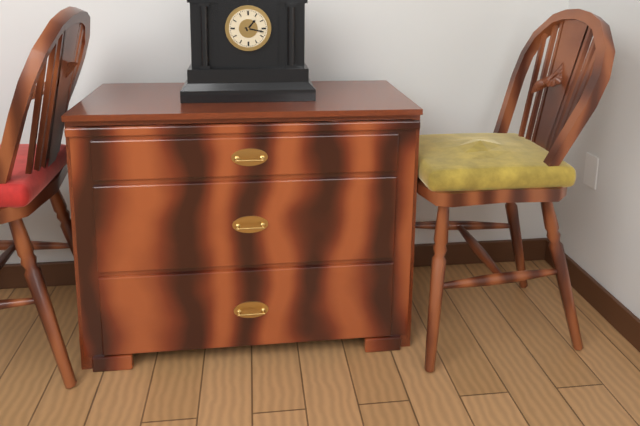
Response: 1:17
